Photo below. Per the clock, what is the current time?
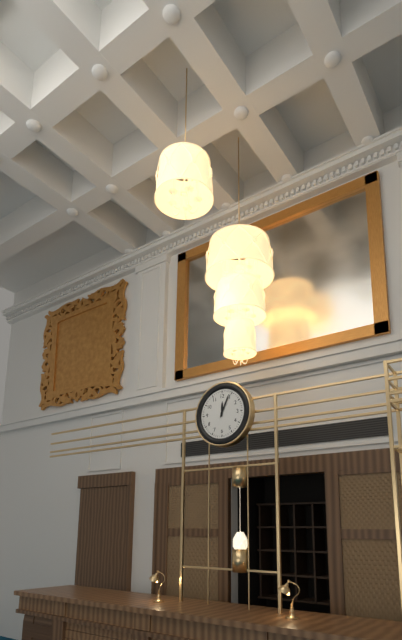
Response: 12:04
